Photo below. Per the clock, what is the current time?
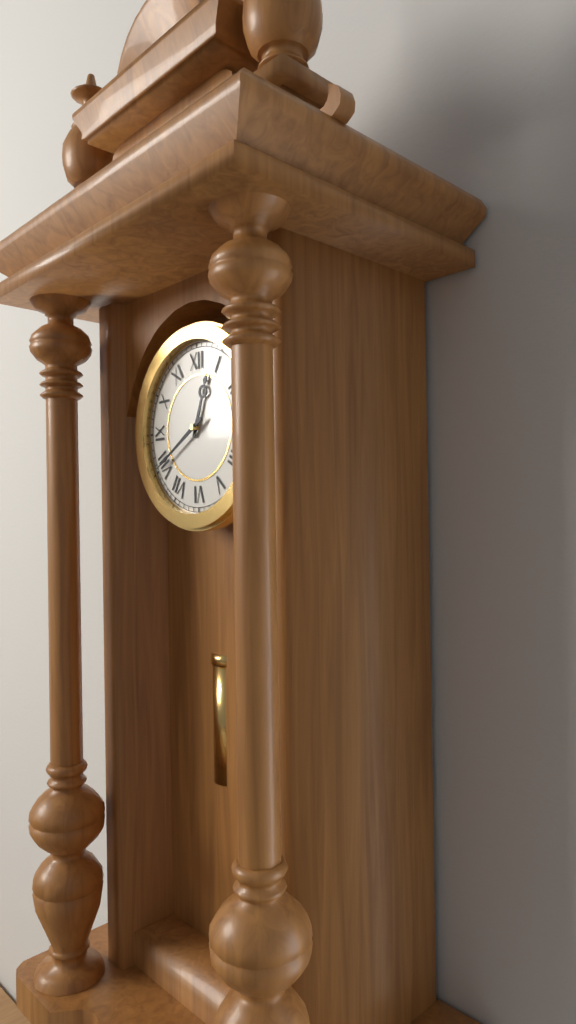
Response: 12:40
